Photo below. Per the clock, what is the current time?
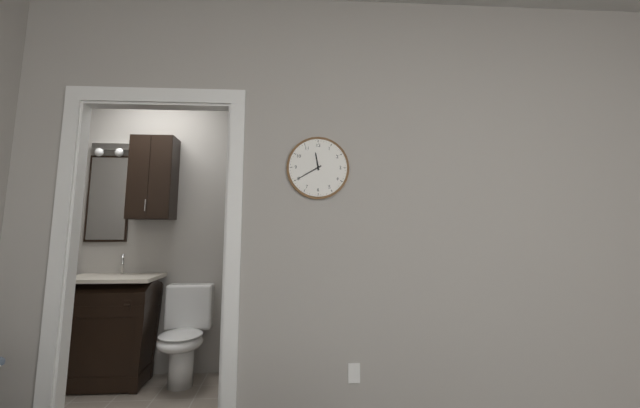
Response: 11:40
